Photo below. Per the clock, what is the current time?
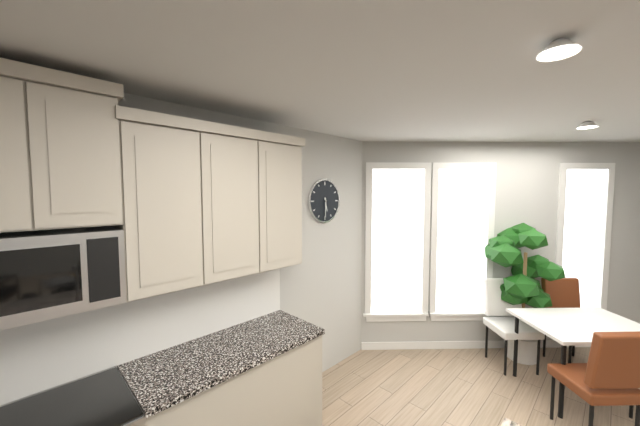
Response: 5:30
